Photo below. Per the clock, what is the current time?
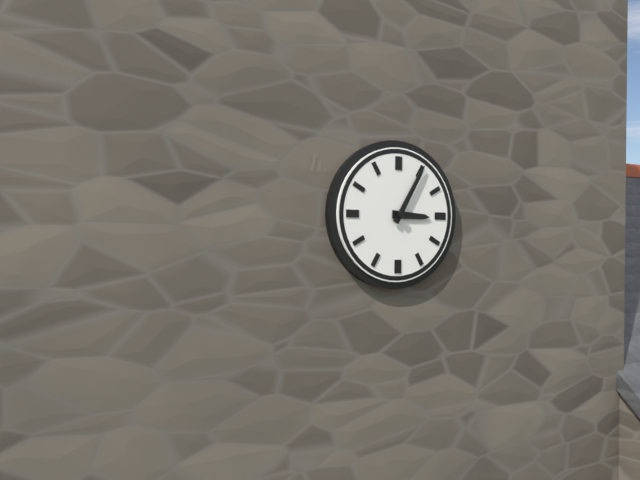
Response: 3:05
